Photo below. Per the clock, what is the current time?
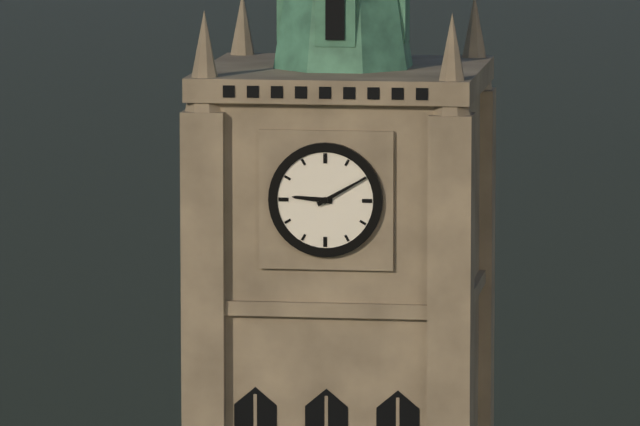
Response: 9:10
